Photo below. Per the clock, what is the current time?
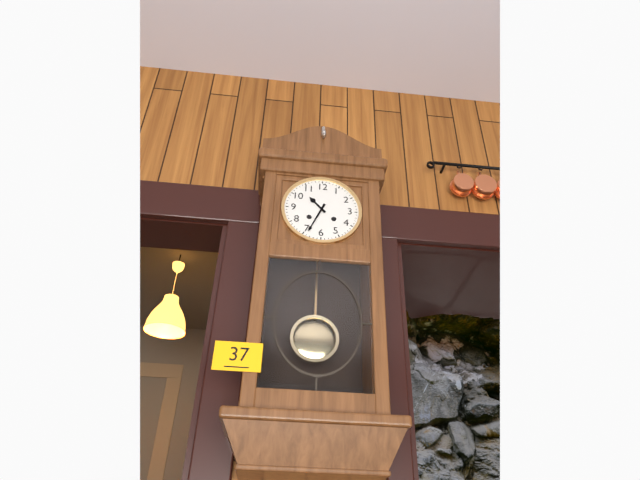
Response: 10:34
